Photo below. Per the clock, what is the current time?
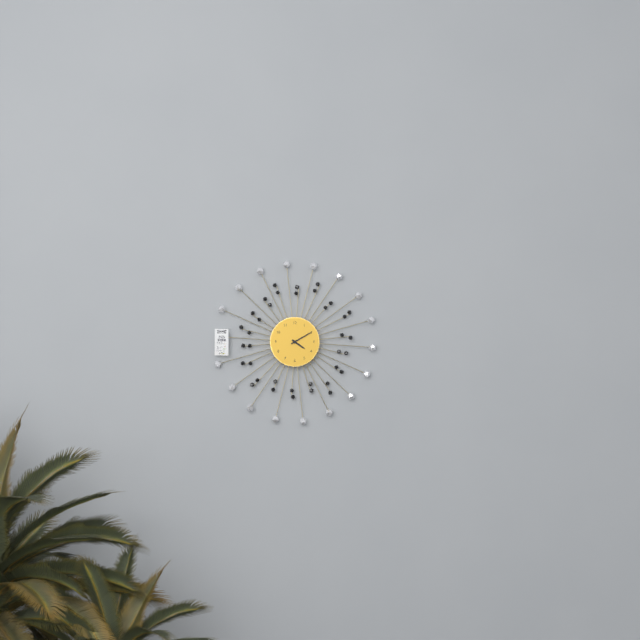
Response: 4:10
